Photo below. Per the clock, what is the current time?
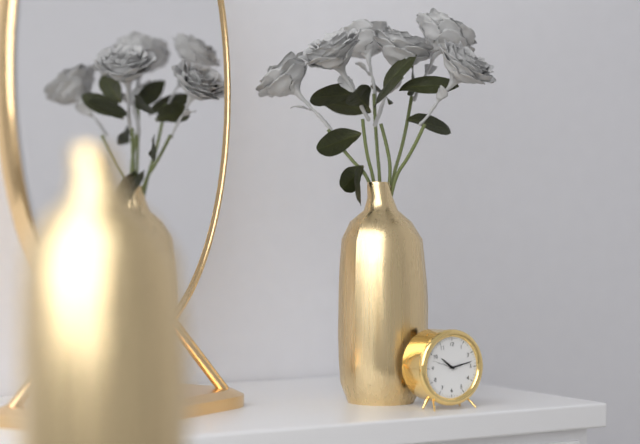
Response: 10:13
